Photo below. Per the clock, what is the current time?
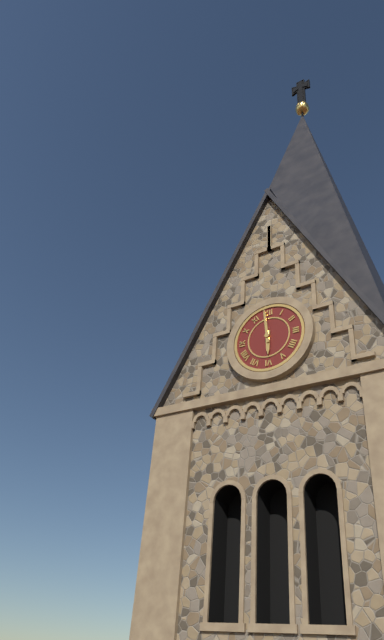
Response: 5:59
